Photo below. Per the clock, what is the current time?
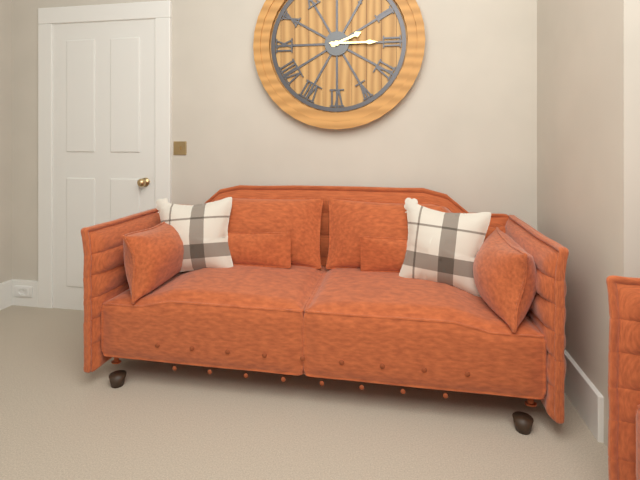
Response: 2:15
